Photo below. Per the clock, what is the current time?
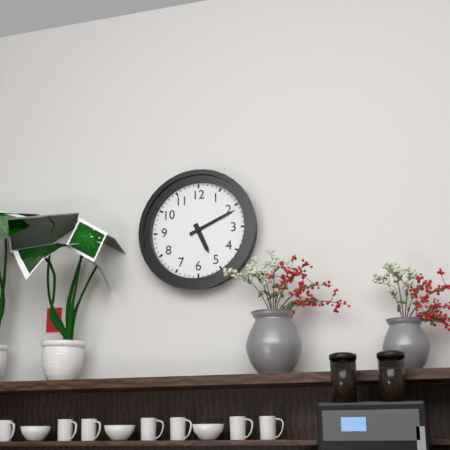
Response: 5:11
